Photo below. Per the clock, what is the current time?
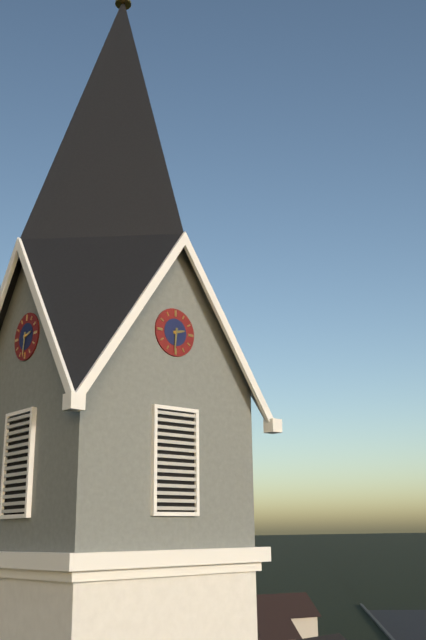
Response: 2:31
